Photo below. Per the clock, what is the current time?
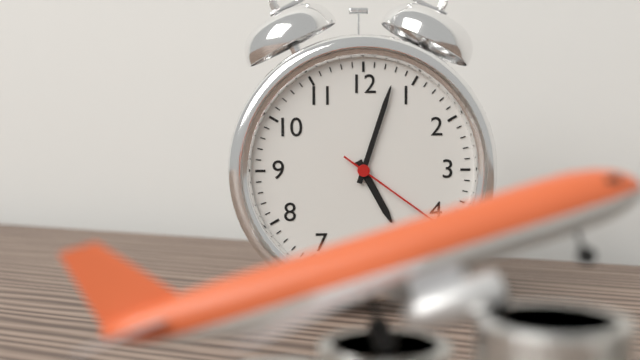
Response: 5:03:21
